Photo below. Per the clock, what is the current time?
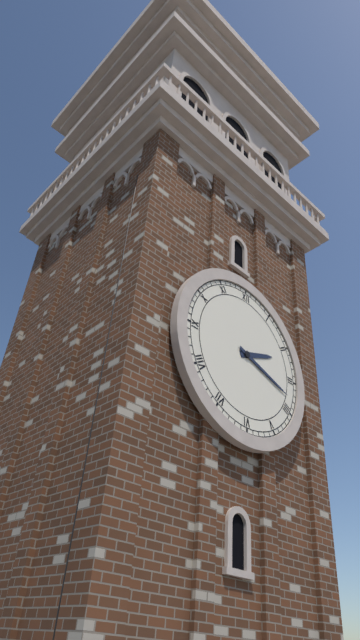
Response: 2:18
